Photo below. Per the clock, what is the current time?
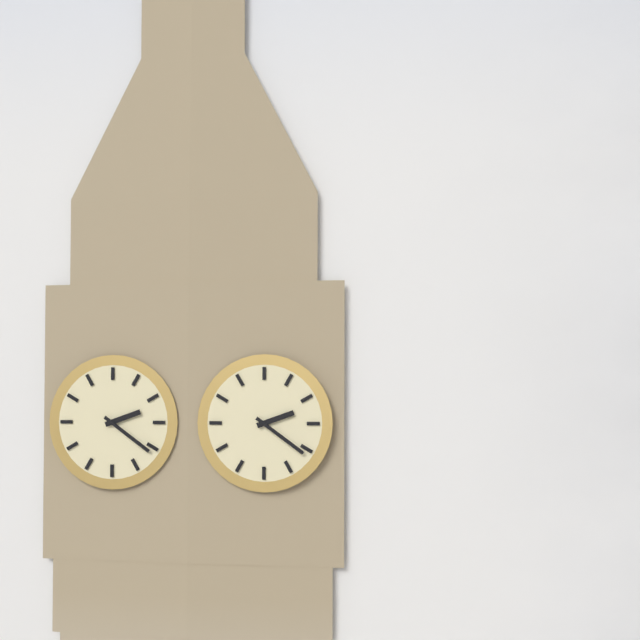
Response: 2:21
